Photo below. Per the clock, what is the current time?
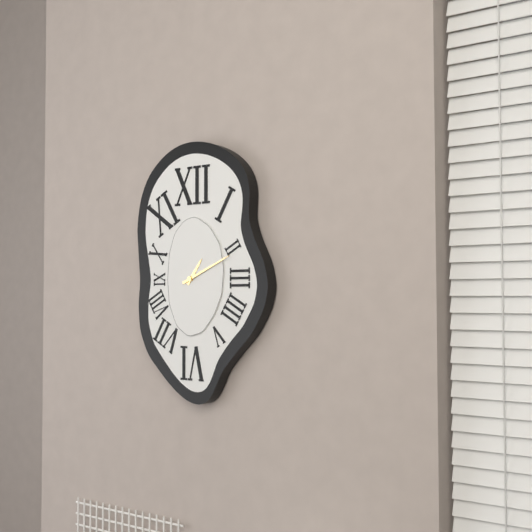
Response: 1:11
